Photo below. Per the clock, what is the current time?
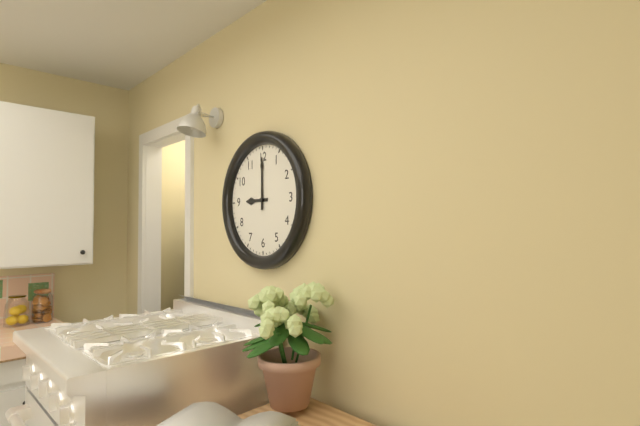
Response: 9:00
